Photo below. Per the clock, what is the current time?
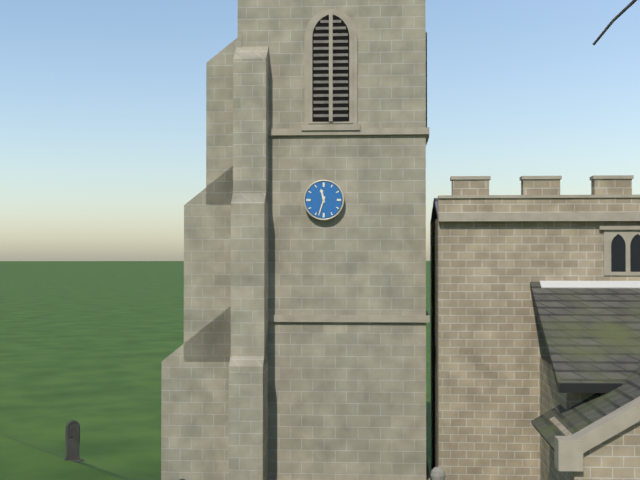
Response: 11:33
